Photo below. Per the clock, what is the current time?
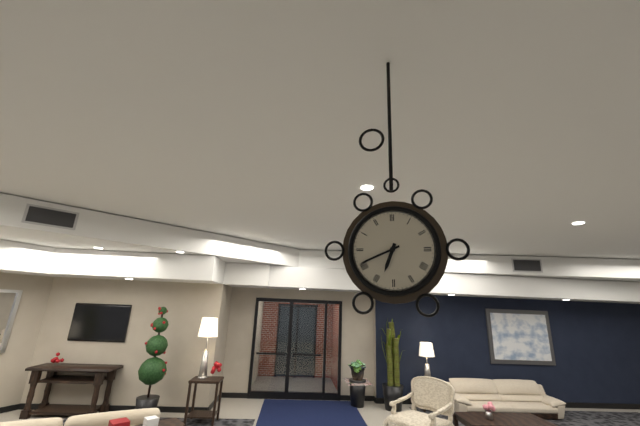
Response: 6:41
